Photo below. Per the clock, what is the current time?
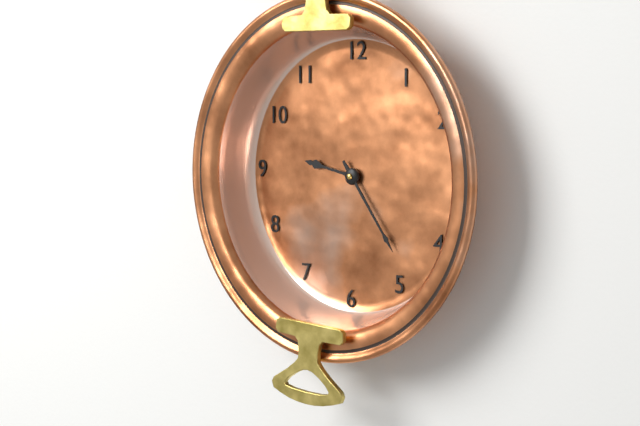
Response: 9:24
